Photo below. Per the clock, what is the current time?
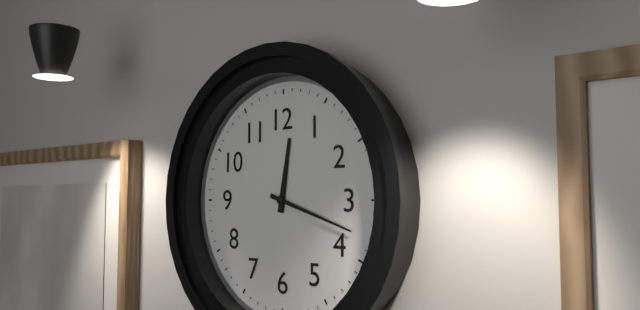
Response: 12:18
